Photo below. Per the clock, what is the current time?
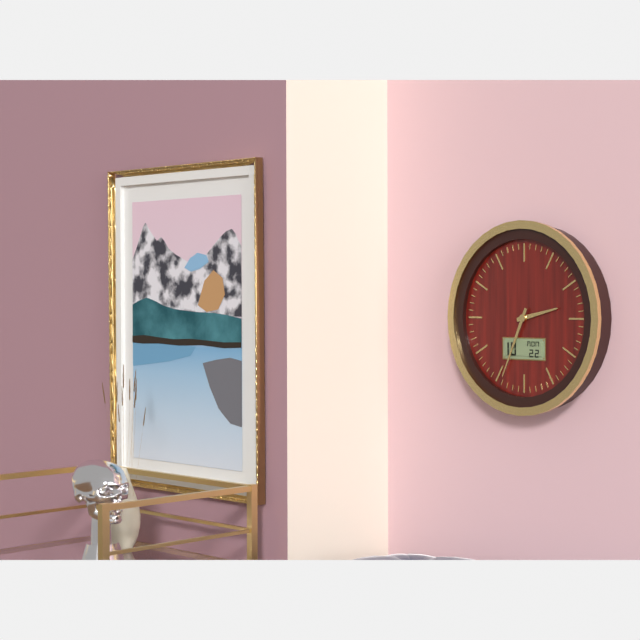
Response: 2:34
